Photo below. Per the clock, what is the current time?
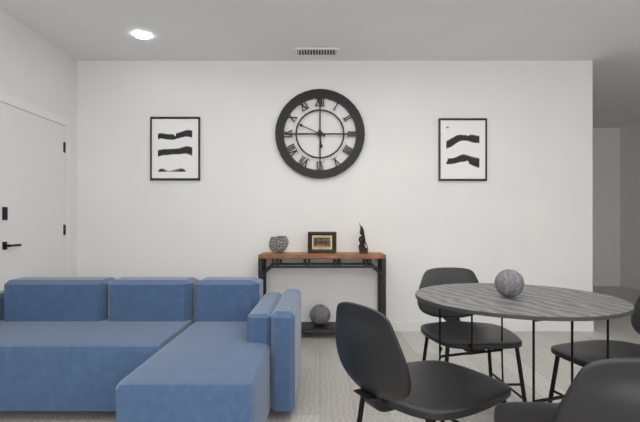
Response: 5:49
